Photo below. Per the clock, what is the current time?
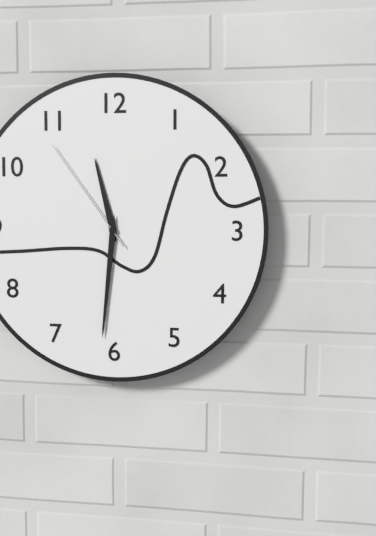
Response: 11:31:54
